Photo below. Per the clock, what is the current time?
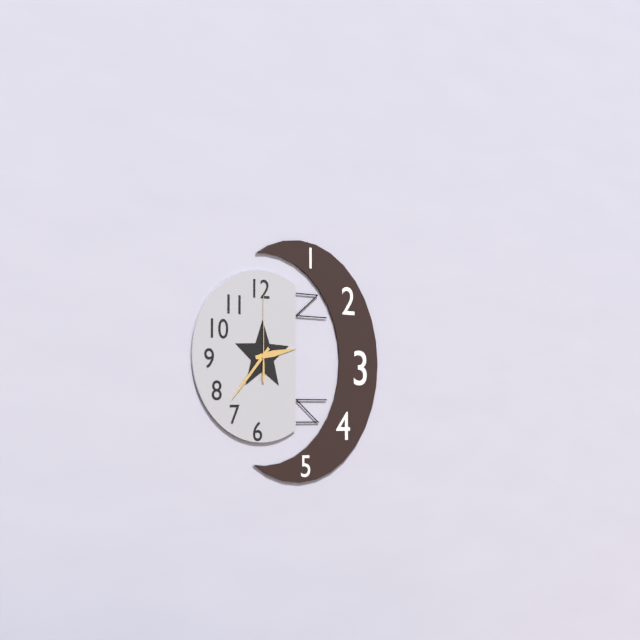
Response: 2:37:00
